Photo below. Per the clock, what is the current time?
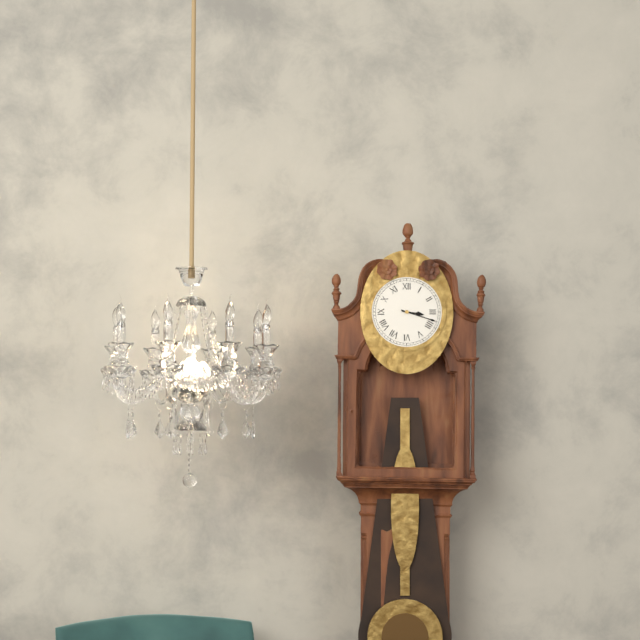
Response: 3:18
